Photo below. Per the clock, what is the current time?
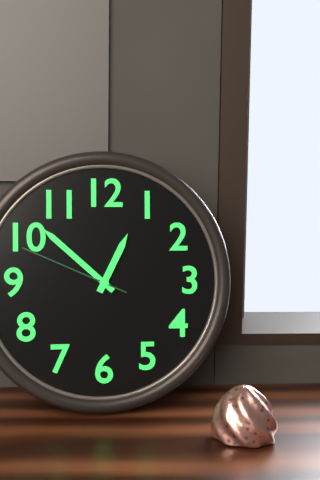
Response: 12:52:49
